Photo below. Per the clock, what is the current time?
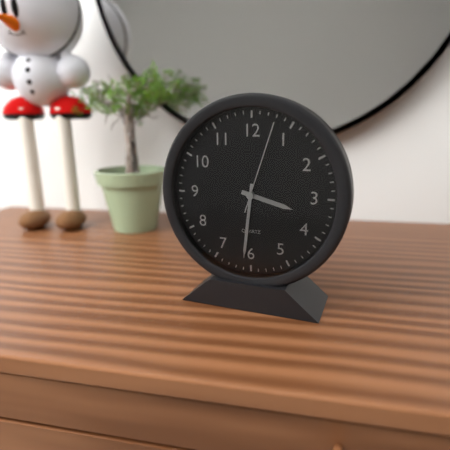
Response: 3:31:03
